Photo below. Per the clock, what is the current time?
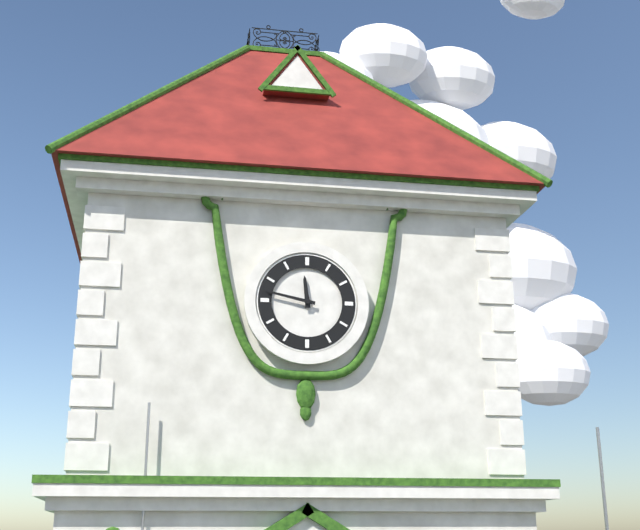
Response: 11:47
